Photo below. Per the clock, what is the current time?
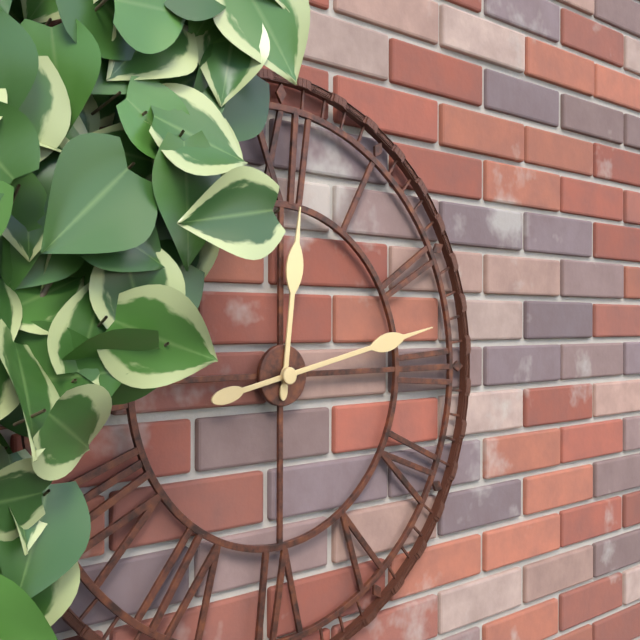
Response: 12:13
